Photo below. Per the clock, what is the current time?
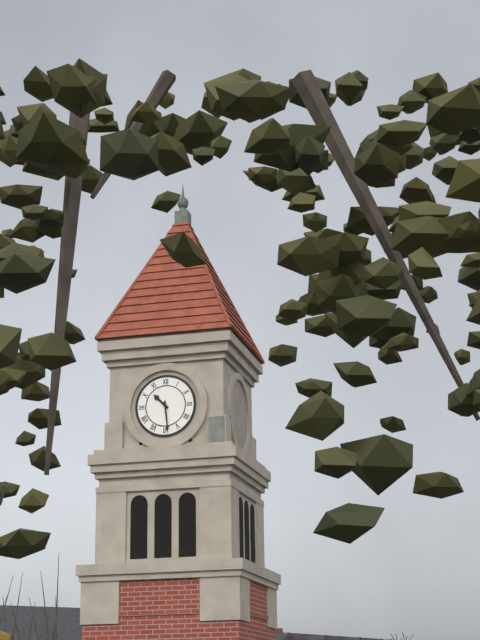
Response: 10:29
